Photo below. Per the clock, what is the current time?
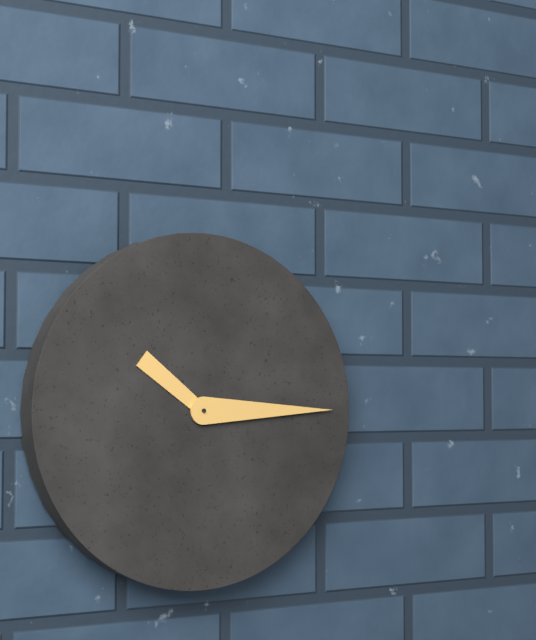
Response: 10:15
